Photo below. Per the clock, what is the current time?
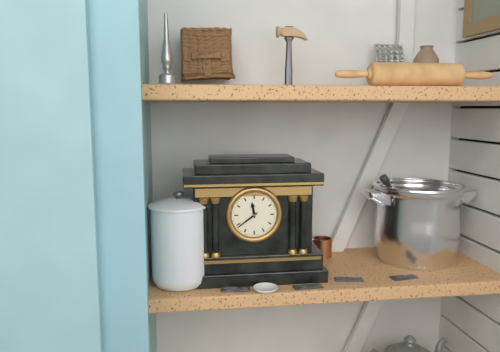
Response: 11:39
